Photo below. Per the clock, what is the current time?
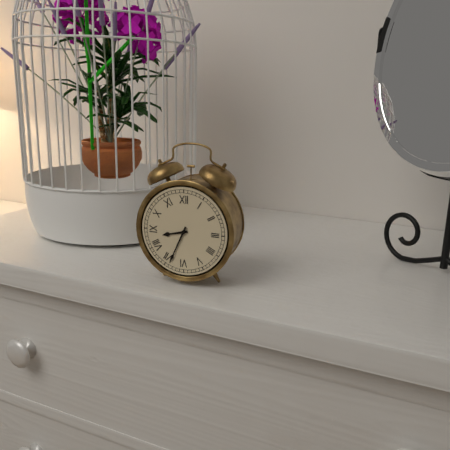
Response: 8:34
